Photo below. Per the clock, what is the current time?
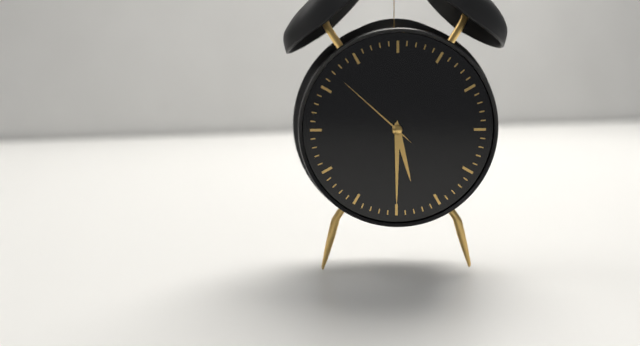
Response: 5:30:52
